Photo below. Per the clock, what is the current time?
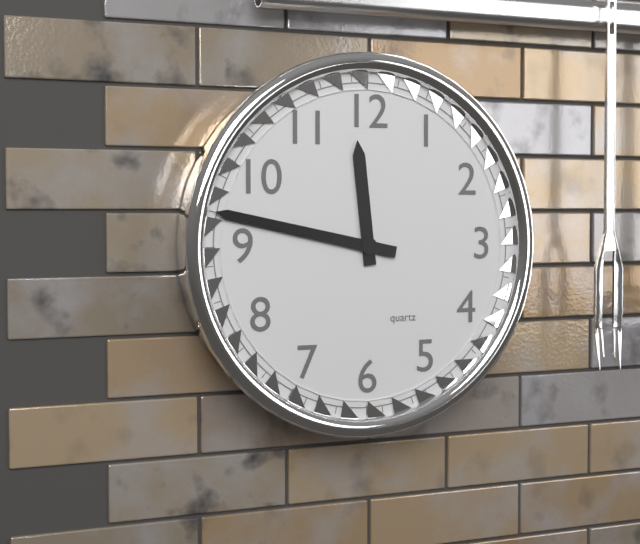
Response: 11:47
